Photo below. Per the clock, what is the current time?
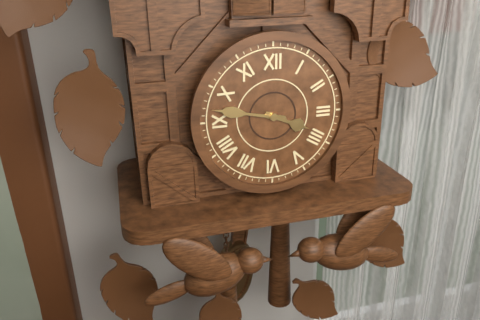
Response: 3:47
